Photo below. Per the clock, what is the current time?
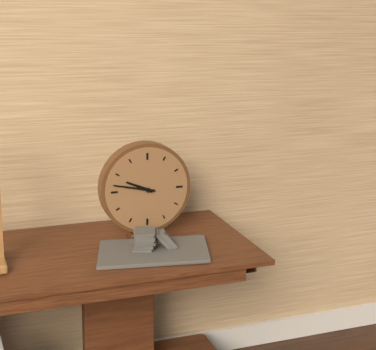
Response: 9:47
